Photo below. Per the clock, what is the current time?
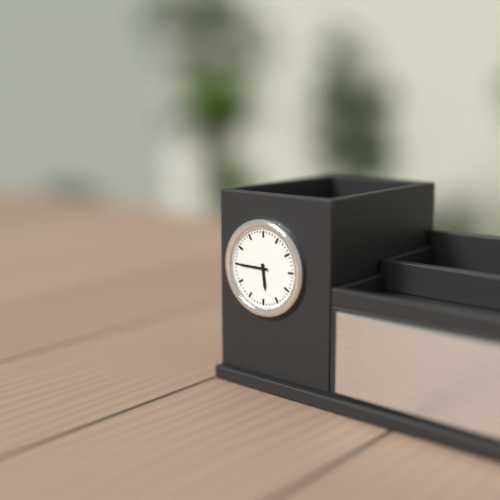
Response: 5:45
